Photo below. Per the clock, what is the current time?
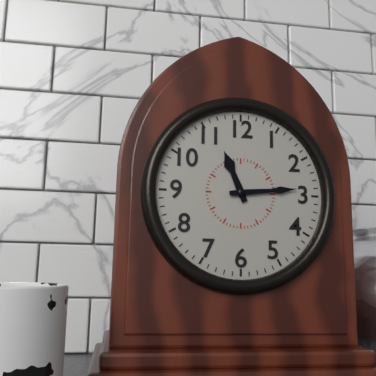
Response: 11:14
